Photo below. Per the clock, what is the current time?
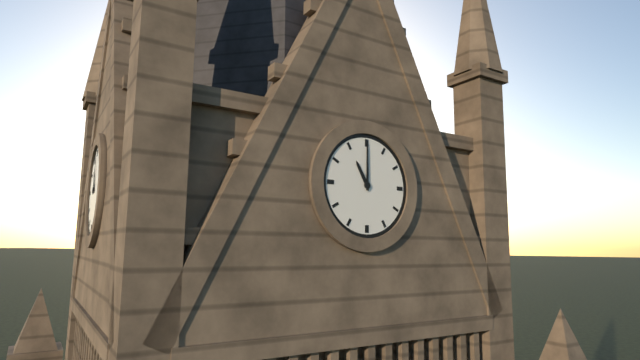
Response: 11:00
